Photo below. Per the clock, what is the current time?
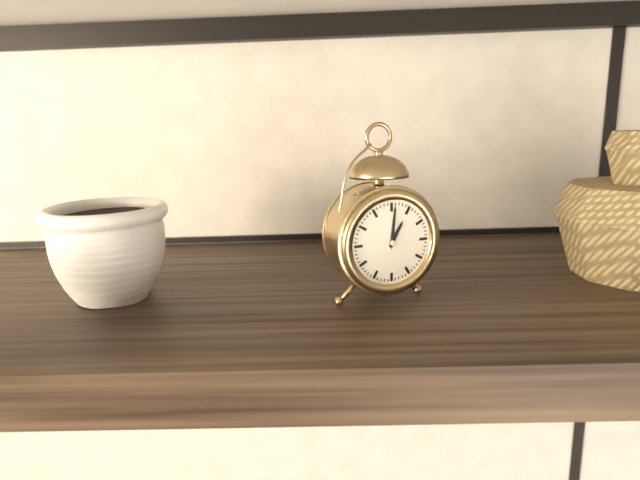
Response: 1:01
